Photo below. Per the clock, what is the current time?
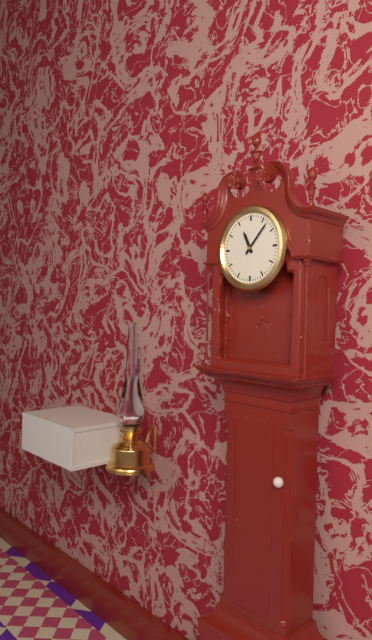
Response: 11:07
